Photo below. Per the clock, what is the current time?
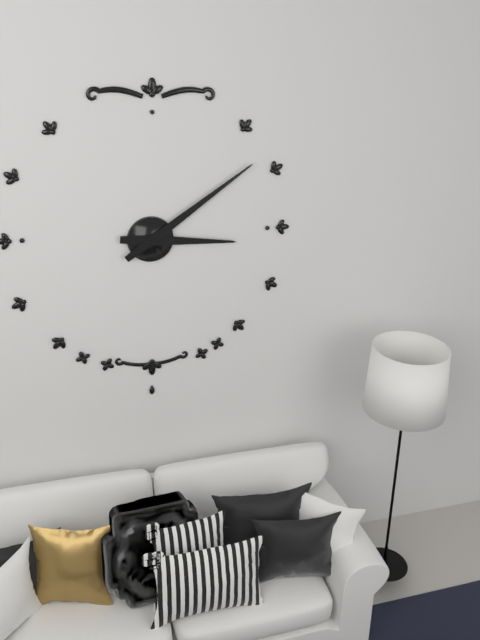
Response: 3:09
